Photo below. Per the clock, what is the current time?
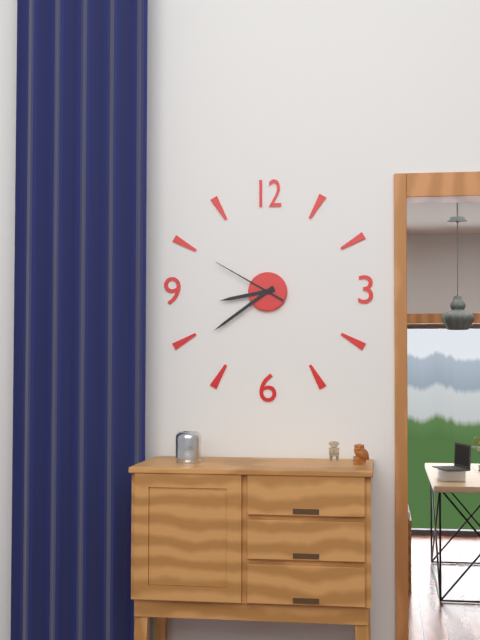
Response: 8:39:50
